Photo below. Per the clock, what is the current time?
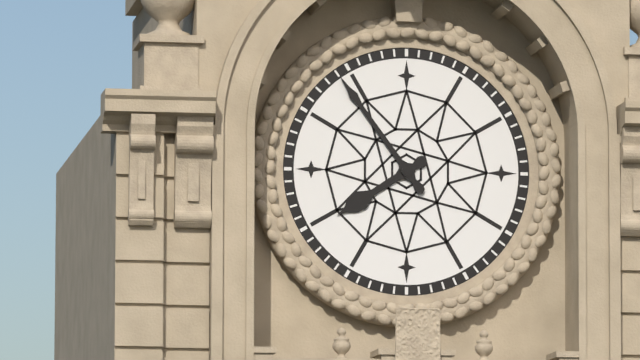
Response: 7:54
